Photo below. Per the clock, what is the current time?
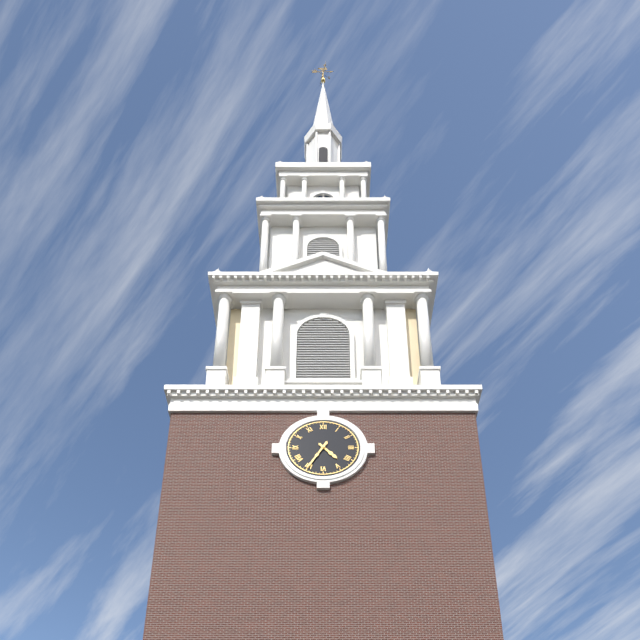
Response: 4:35
